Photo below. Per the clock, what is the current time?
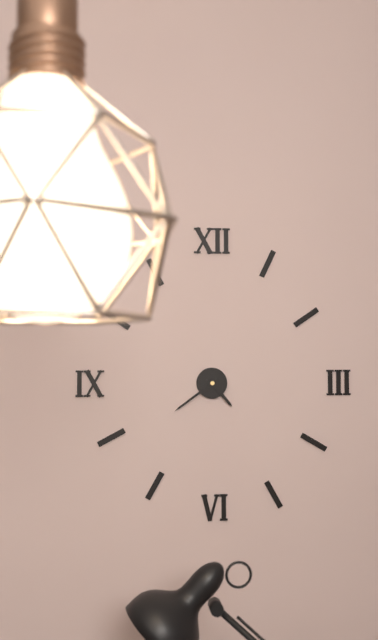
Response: 4:39
